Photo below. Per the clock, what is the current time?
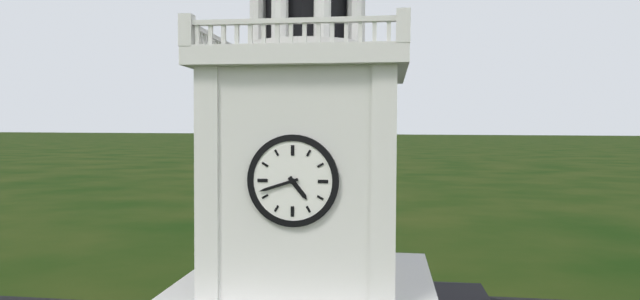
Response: 4:42
